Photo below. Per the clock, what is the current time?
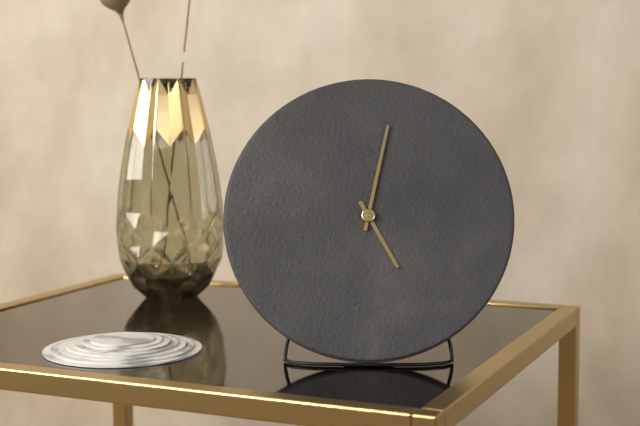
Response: 5:02
